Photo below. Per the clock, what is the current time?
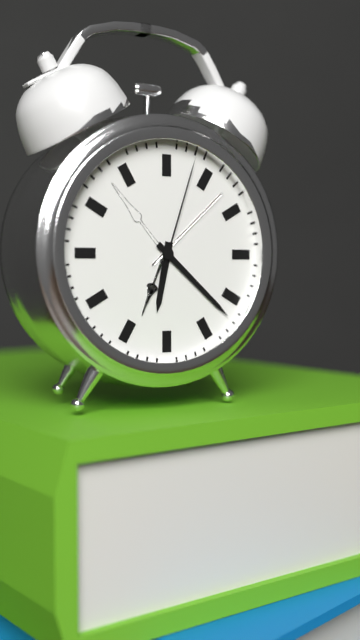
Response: 6:22:03
